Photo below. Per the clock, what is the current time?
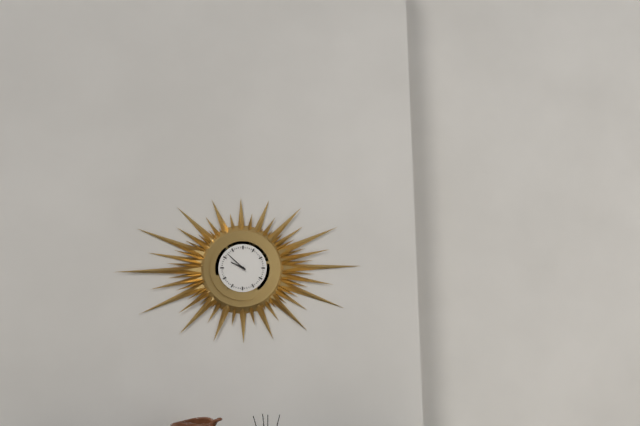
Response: 9:52
